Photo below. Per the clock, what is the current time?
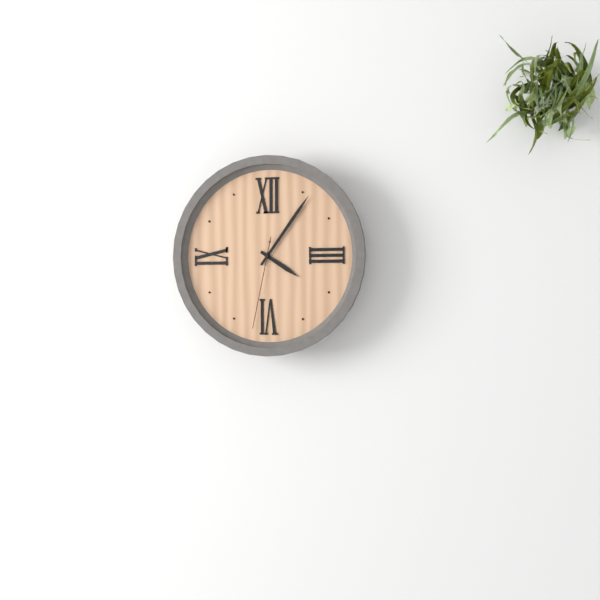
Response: 4:06:32
